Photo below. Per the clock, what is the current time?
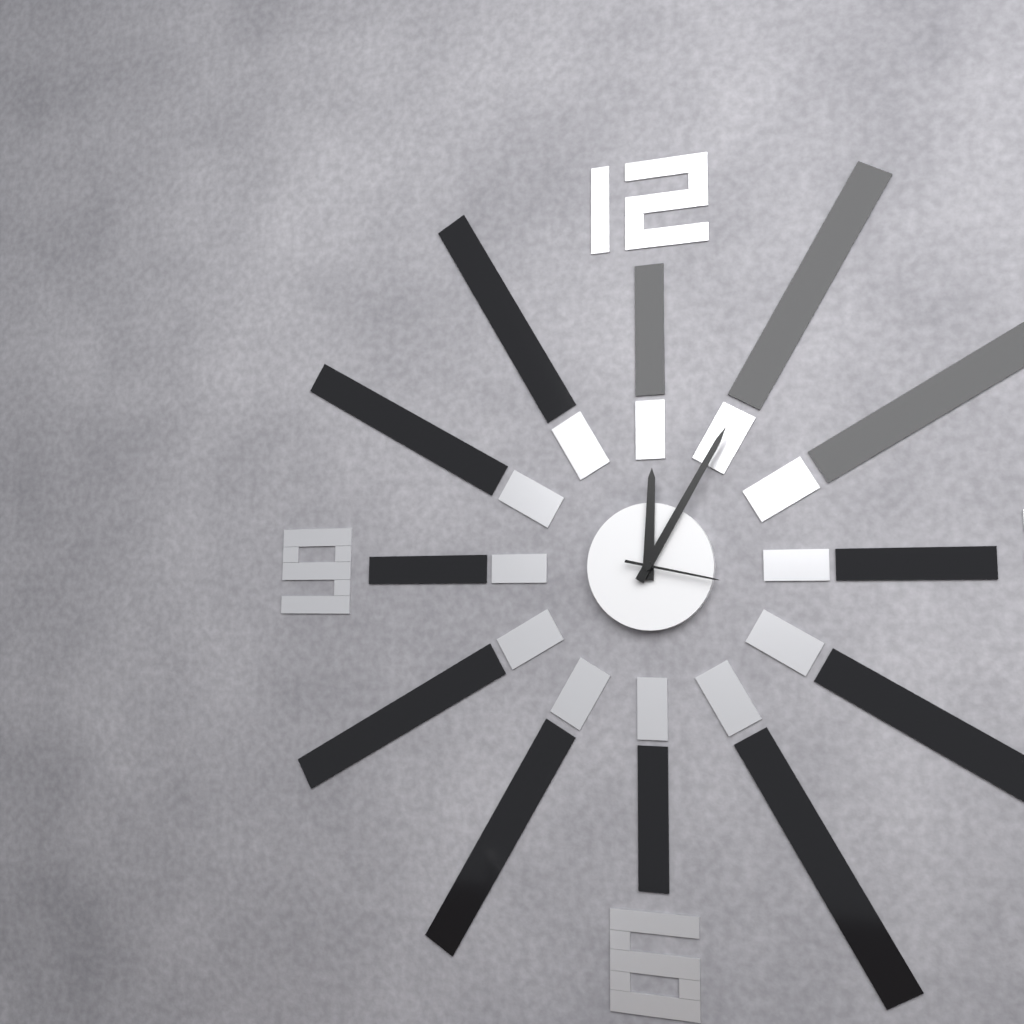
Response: 12:05:17
